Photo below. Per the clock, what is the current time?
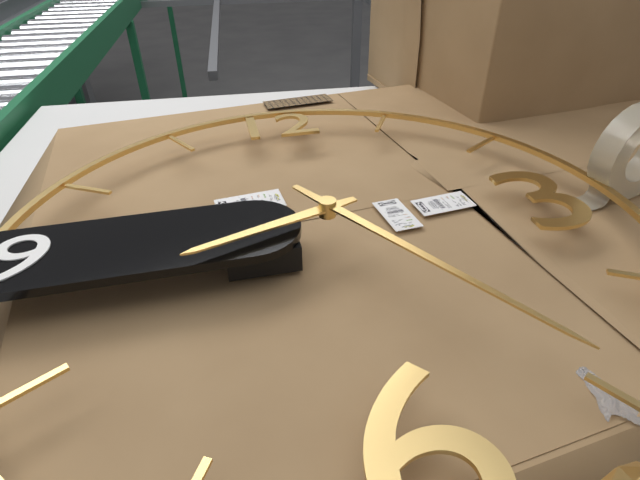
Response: 8:25
